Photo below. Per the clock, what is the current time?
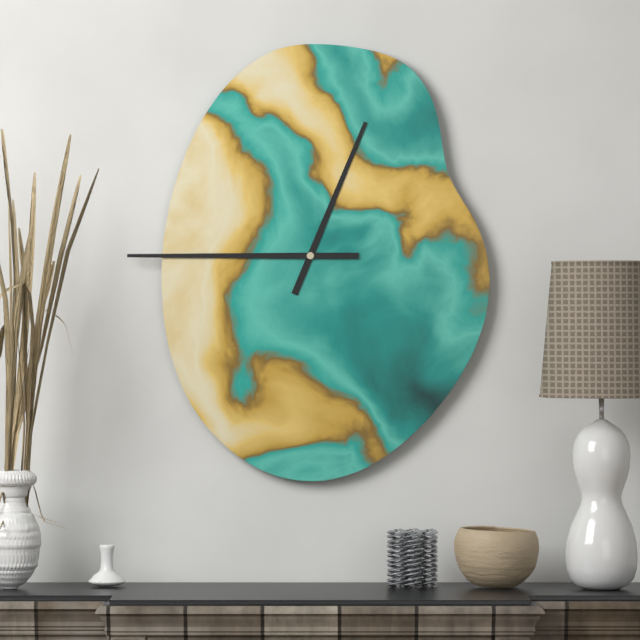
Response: 12:45
